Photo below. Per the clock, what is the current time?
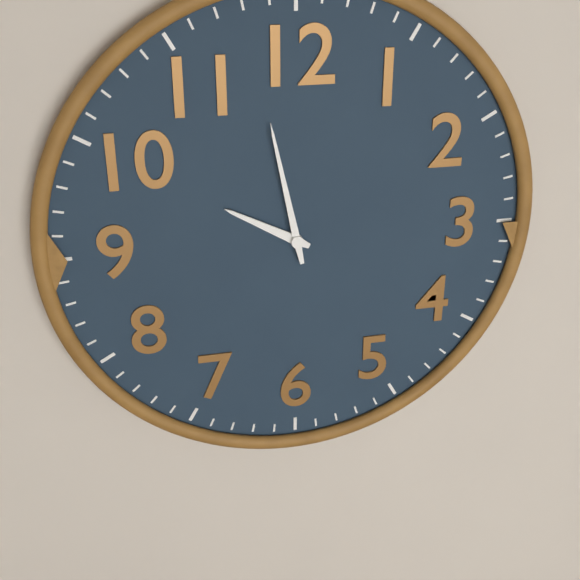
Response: 9:58
